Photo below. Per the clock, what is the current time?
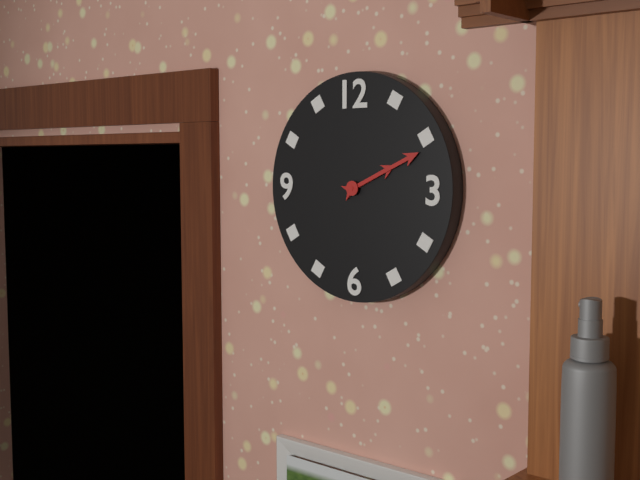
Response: 2:11
